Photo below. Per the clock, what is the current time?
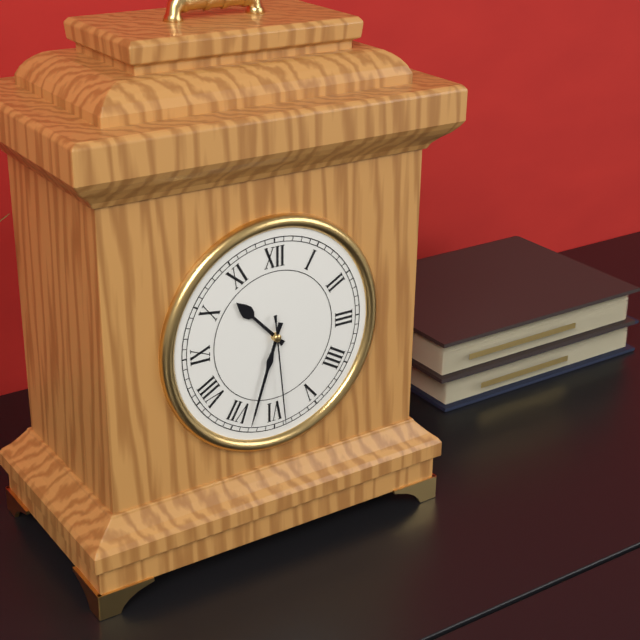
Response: 10:33:29
